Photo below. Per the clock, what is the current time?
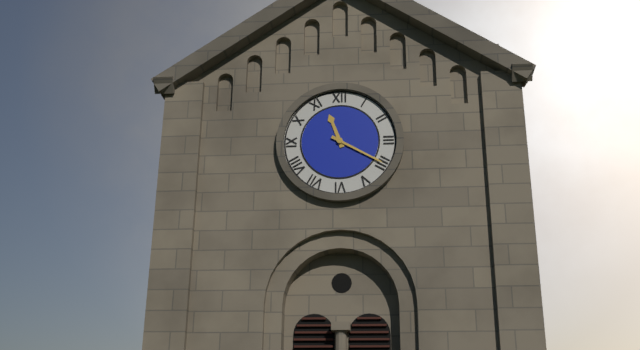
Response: 11:20
